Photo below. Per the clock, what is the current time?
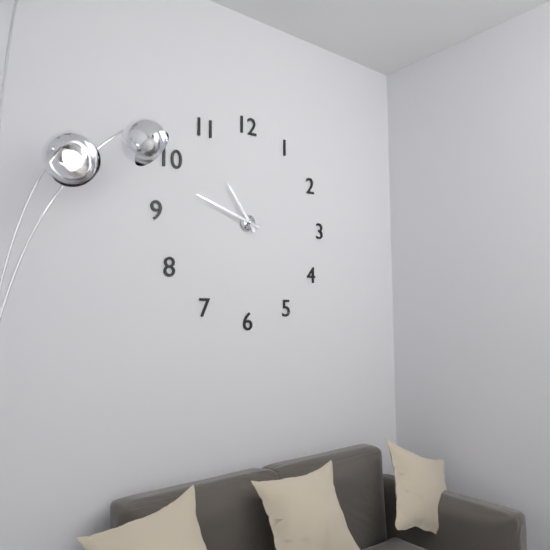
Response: 10:48
